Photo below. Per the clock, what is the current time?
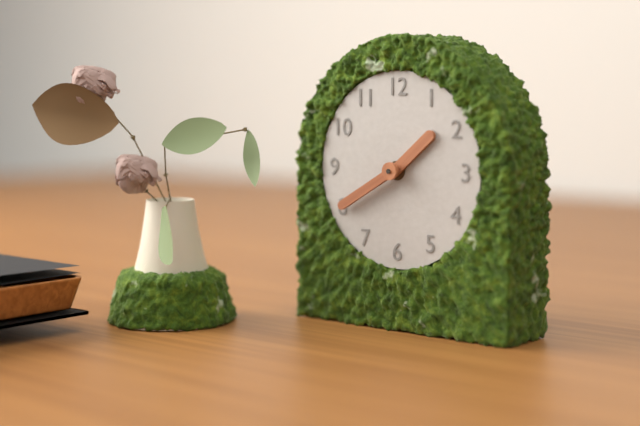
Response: 1:40
